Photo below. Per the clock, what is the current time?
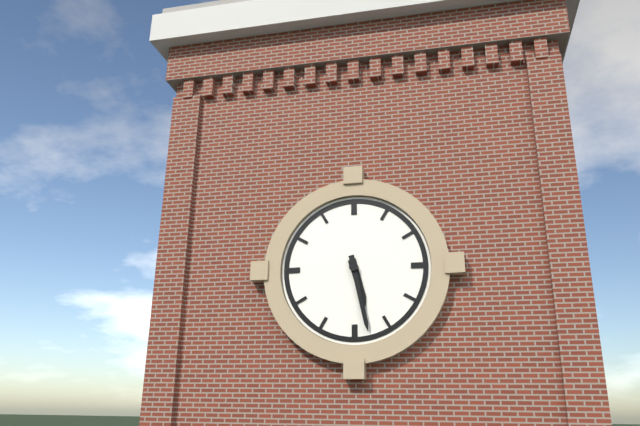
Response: 5:28
